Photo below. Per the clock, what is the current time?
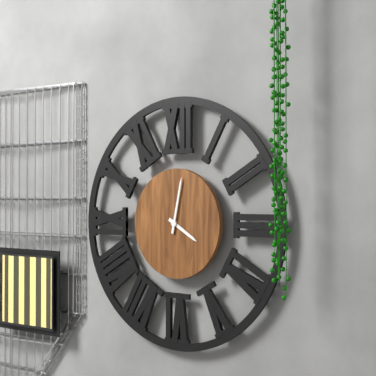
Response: 4:02
